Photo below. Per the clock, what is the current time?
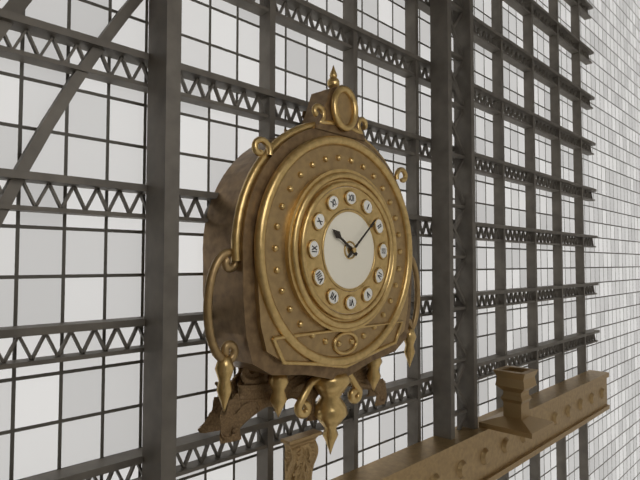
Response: 10:08
